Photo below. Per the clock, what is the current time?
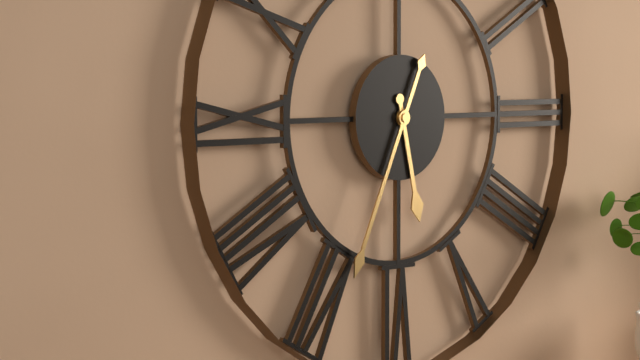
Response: 5:34
